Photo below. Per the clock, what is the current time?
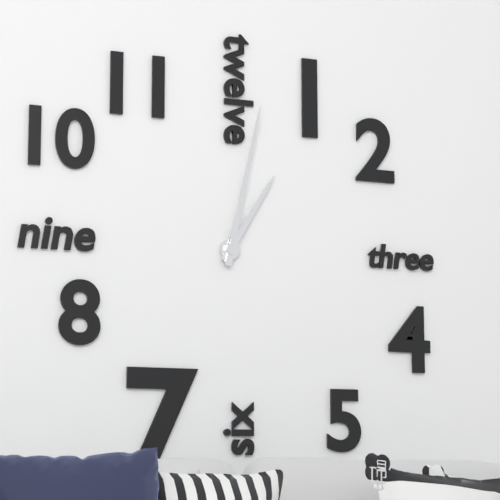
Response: 1:02
